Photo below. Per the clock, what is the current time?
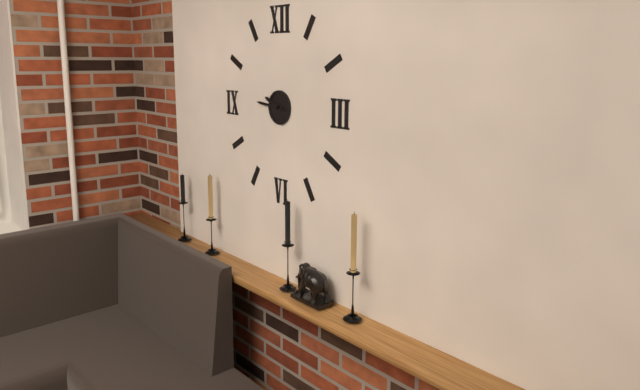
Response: 9:46
